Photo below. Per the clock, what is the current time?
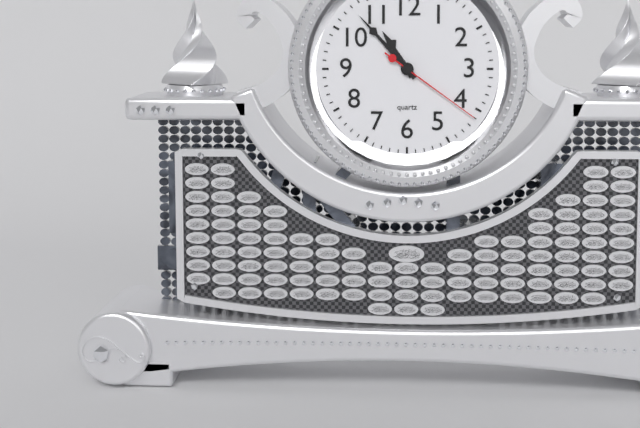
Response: 10:53:21
